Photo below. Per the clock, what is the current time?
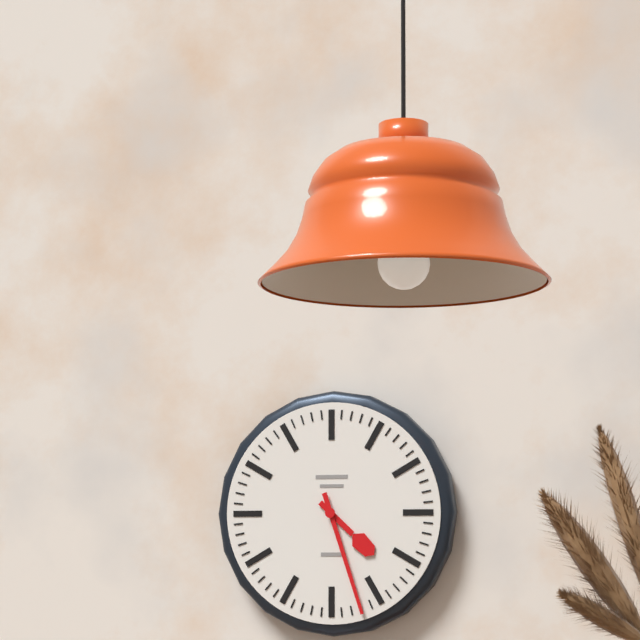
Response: 4:27
